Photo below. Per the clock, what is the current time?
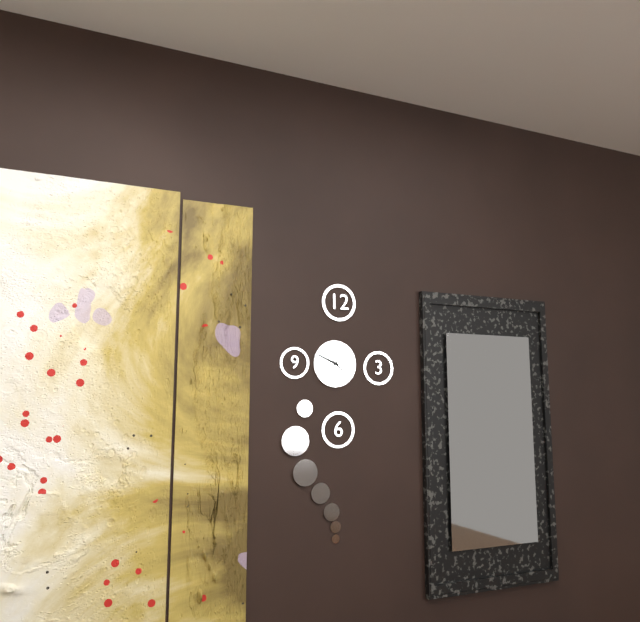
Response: 9:49
